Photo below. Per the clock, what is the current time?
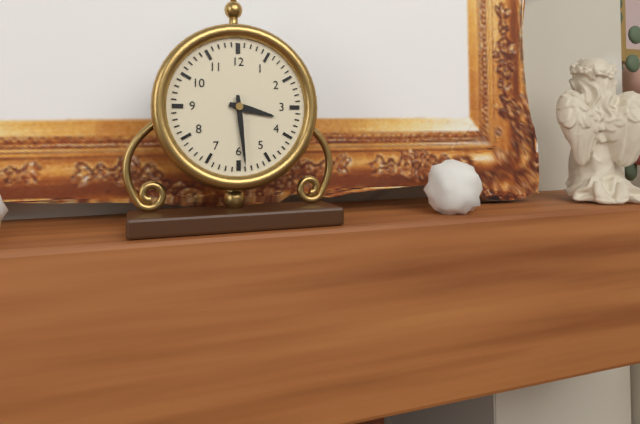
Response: 3:29
